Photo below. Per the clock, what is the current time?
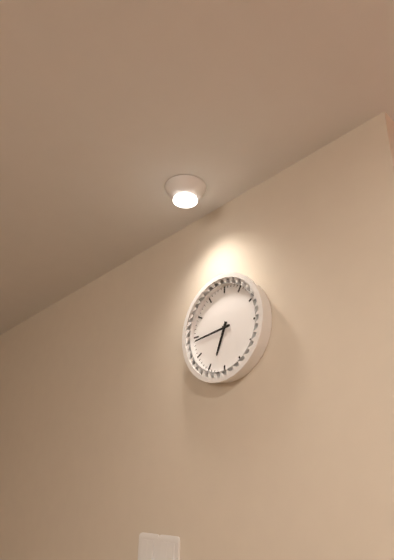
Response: 6:44
